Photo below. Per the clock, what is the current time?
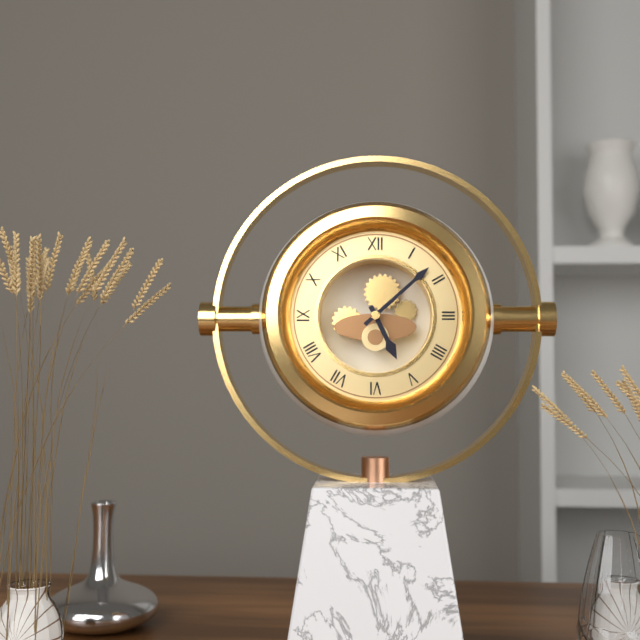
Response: 5:08
